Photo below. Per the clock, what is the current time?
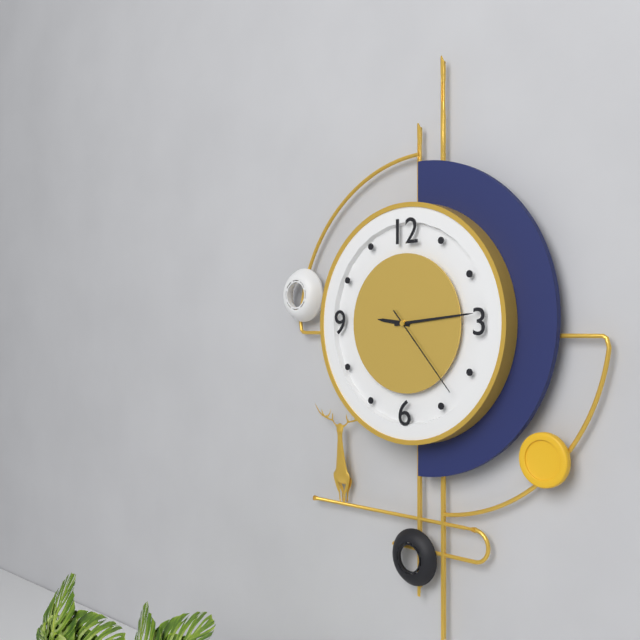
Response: 9:14:23
